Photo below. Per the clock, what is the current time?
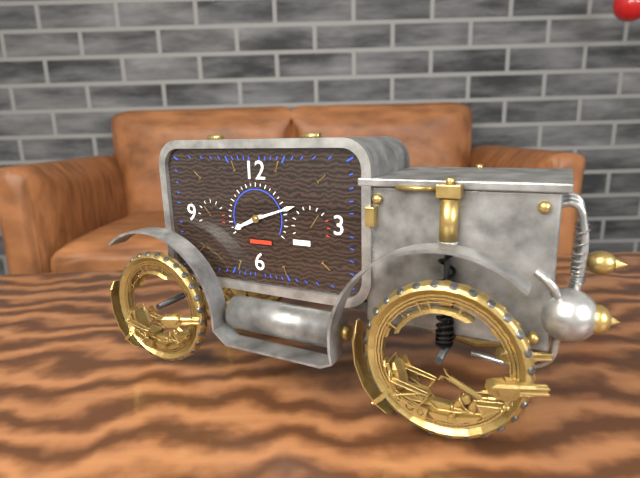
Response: 8:12
